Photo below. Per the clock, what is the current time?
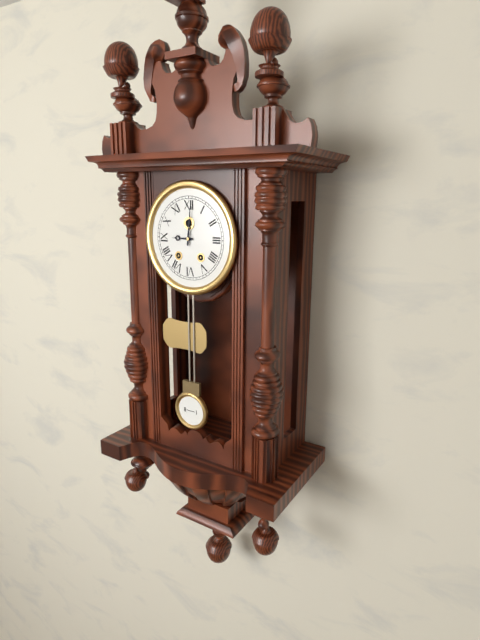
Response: 9:01
